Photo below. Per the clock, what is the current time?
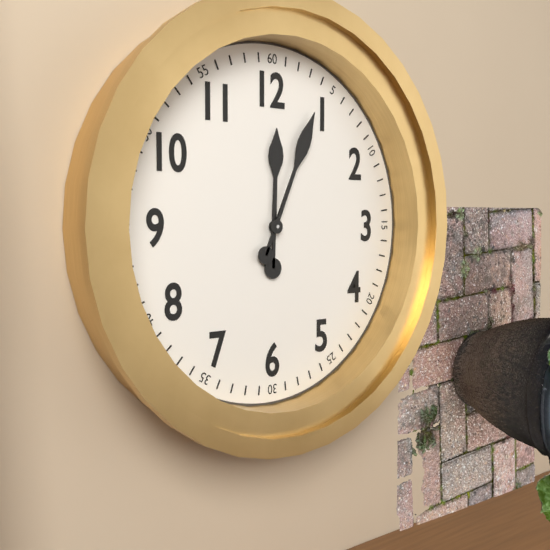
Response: 12:04
